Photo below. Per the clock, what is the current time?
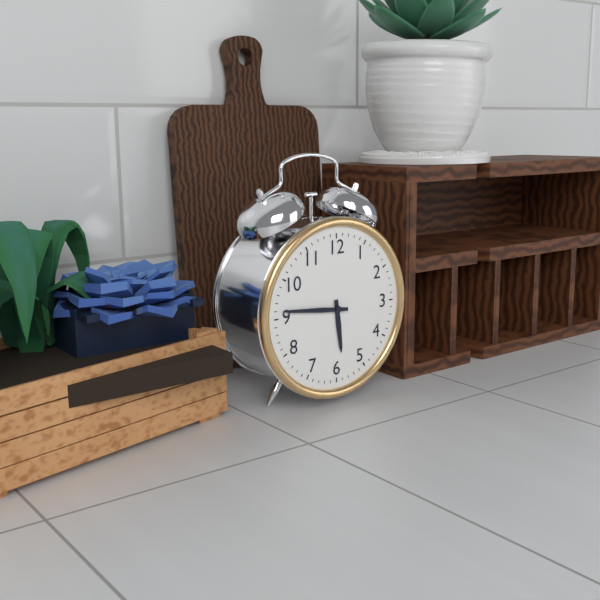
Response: 5:46
